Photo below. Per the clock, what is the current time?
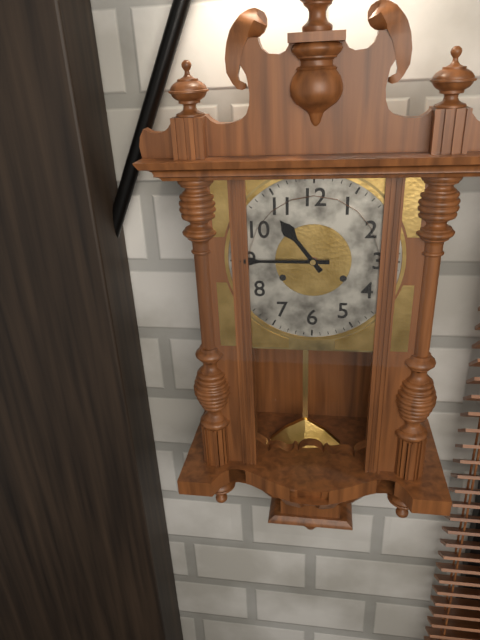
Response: 10:45
